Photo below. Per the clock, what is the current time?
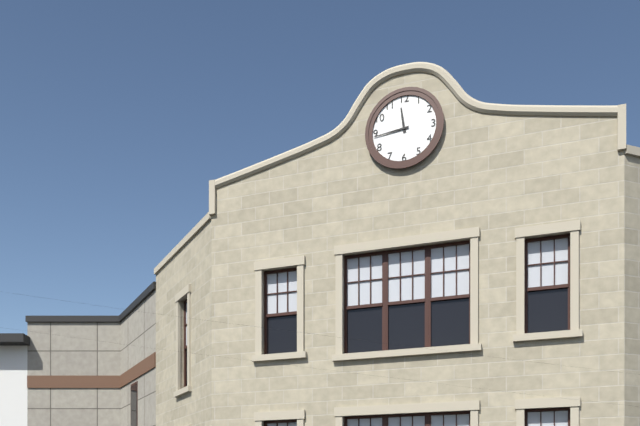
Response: 11:44
